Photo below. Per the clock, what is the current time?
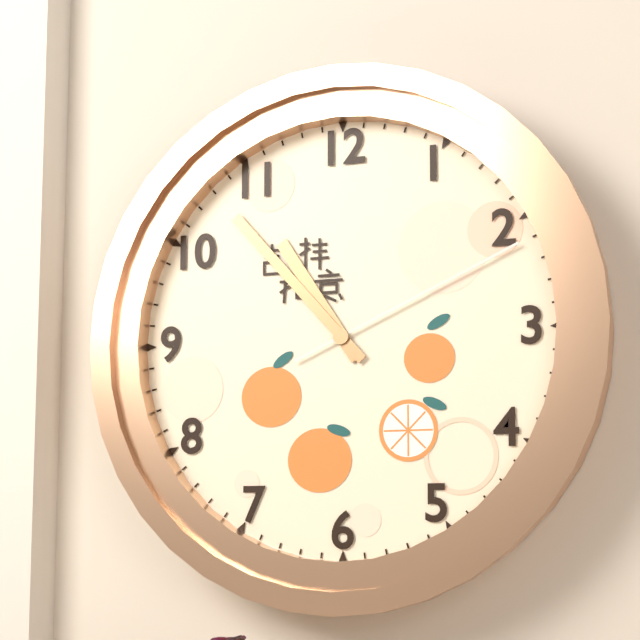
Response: 10:53:11
